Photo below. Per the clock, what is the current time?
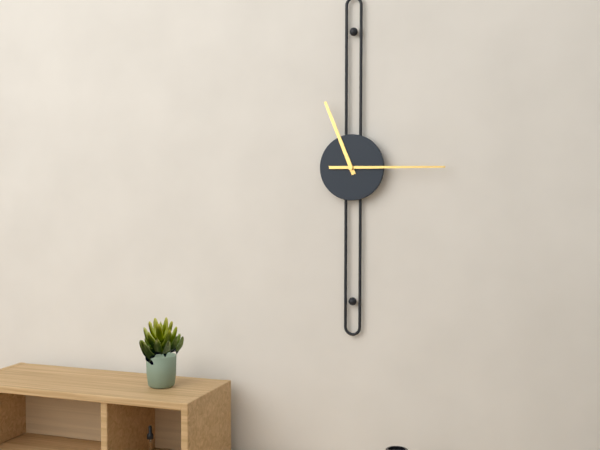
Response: 11:15
